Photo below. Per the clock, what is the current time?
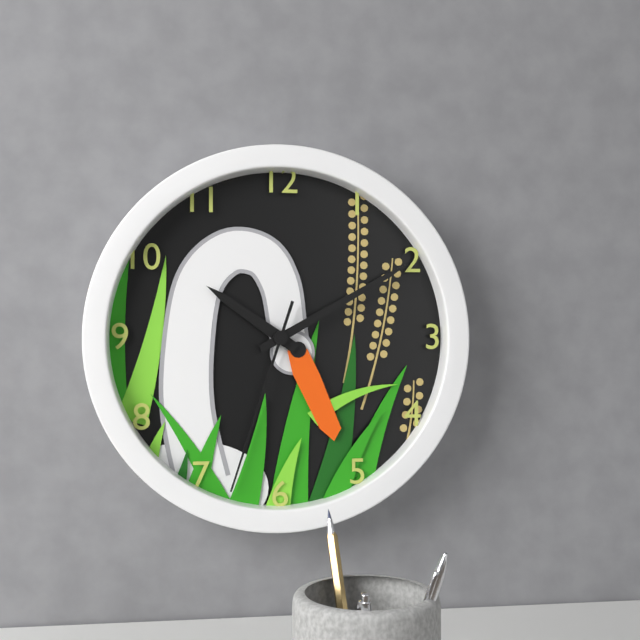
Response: 10:10:33
